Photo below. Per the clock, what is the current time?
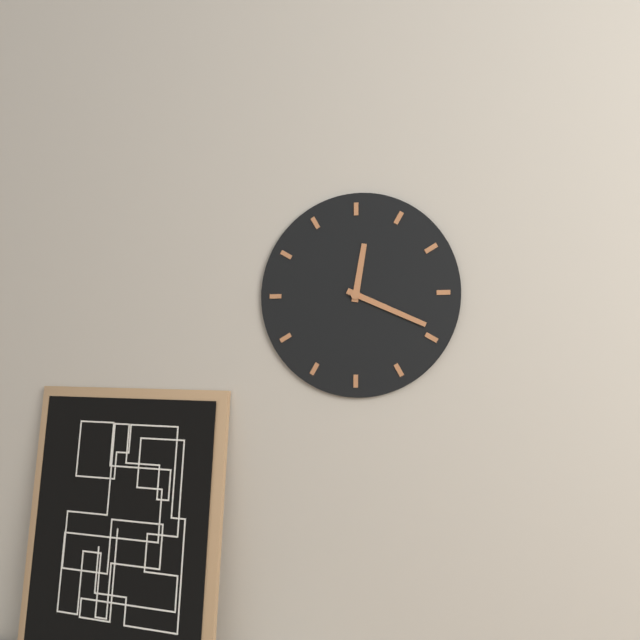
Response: 12:19
